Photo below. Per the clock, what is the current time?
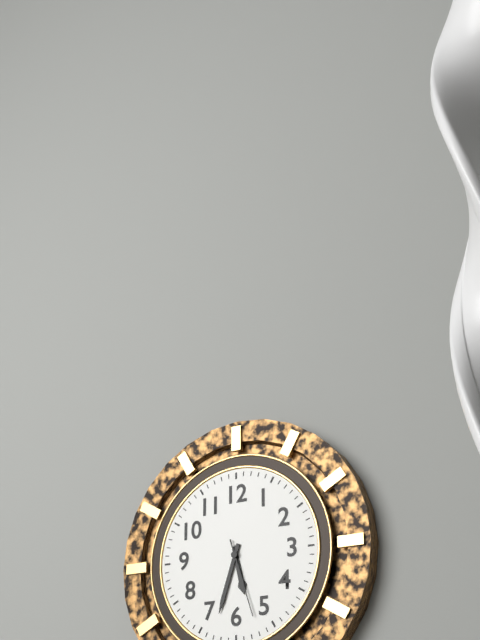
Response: 5:33:27
